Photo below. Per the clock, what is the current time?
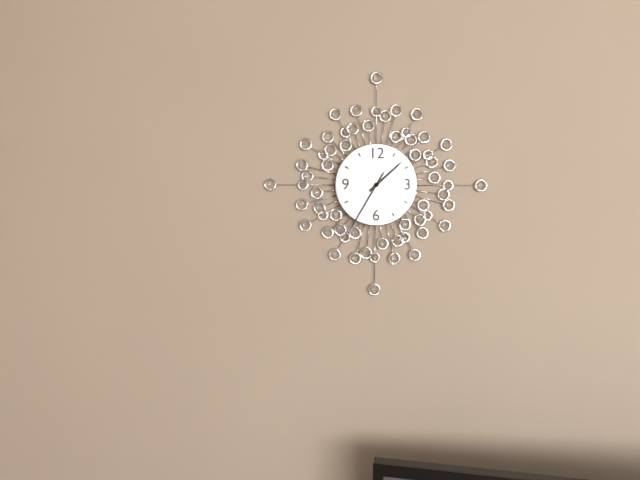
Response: 1:35
